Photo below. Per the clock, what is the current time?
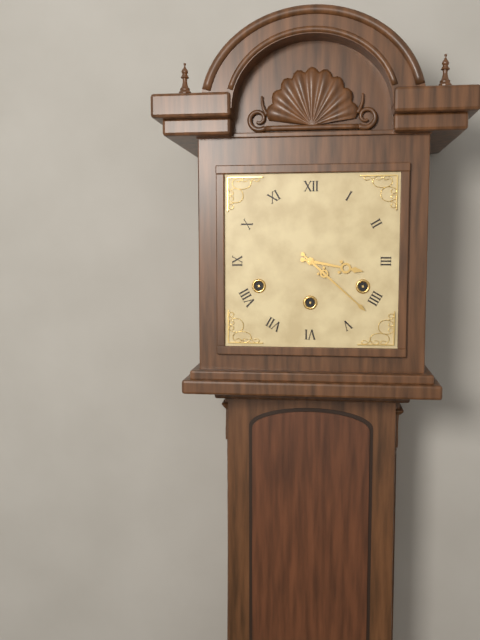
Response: 3:22
